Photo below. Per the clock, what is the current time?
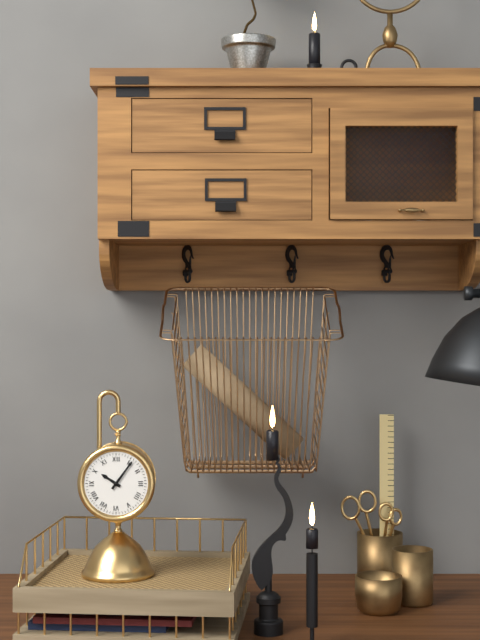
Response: 10:06
